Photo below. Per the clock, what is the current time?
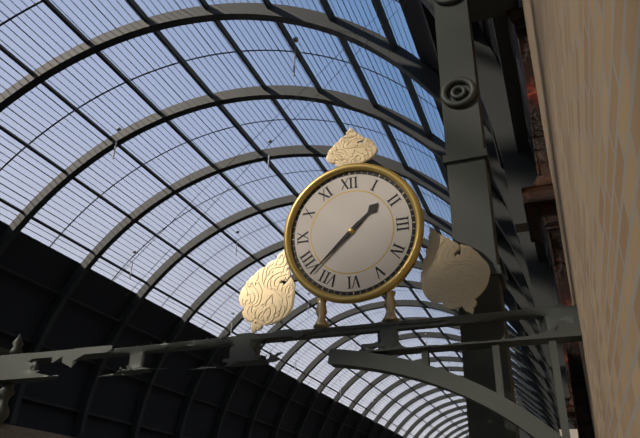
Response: 1:38
